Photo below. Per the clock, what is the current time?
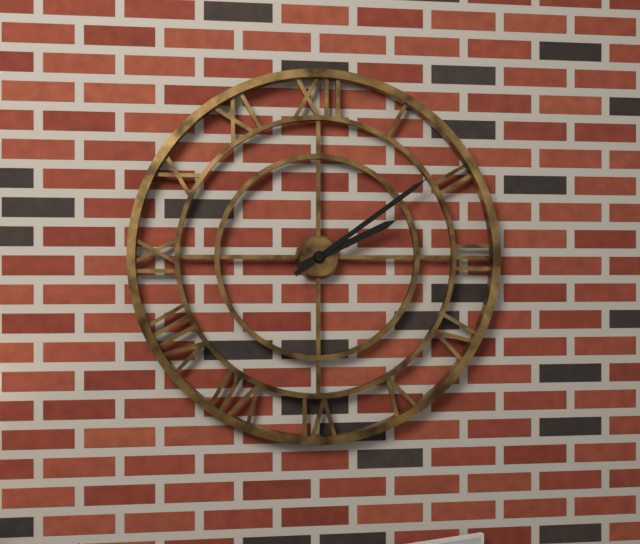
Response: 2:09
